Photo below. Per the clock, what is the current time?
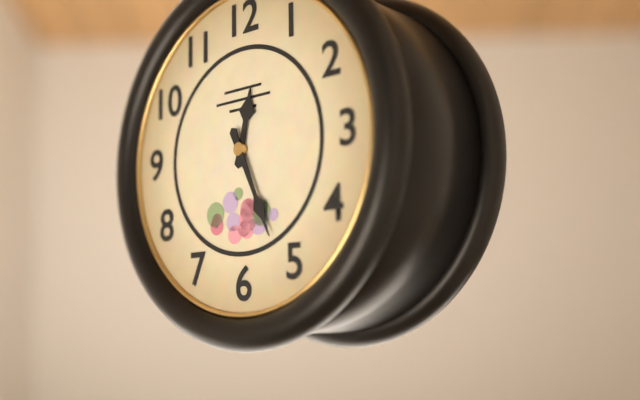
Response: 12:26
